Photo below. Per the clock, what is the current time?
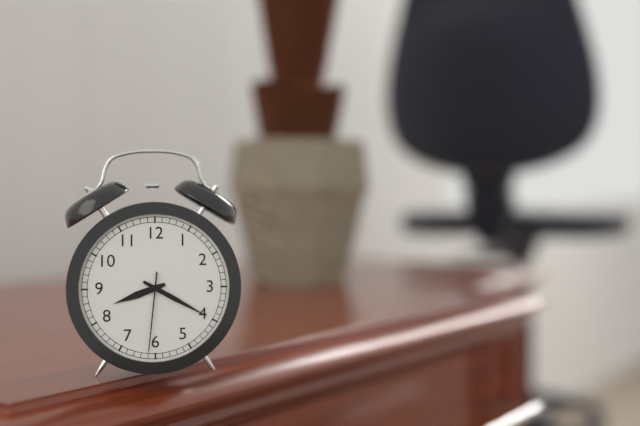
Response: 8:20:31
